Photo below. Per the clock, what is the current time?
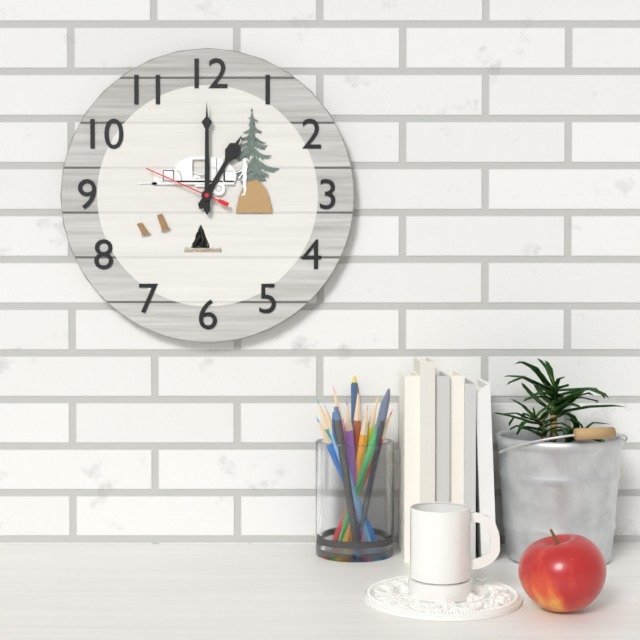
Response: 1:00:49
